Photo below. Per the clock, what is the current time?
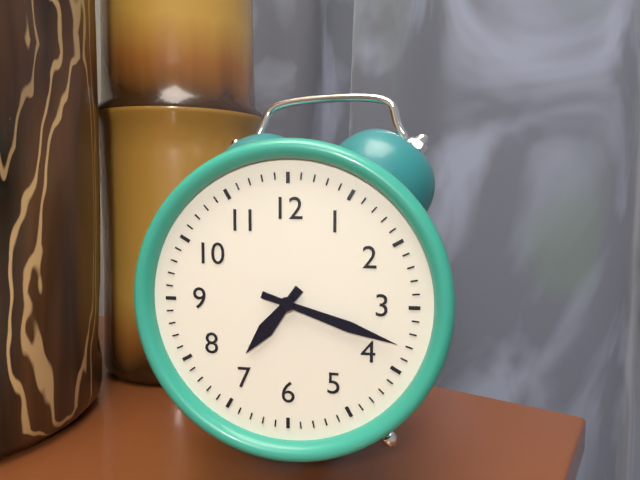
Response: 7:18
